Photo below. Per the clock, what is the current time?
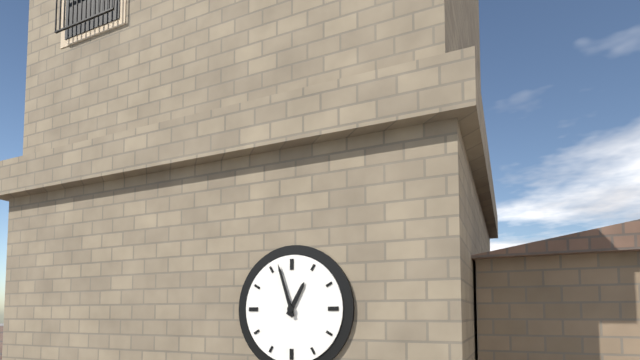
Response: 12:57
